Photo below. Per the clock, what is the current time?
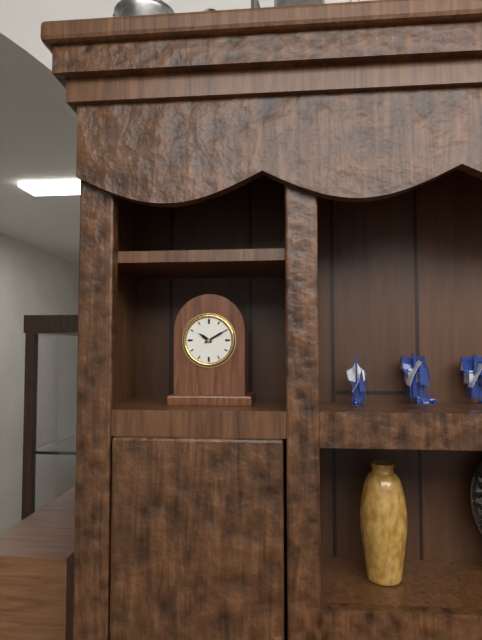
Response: 10:10
